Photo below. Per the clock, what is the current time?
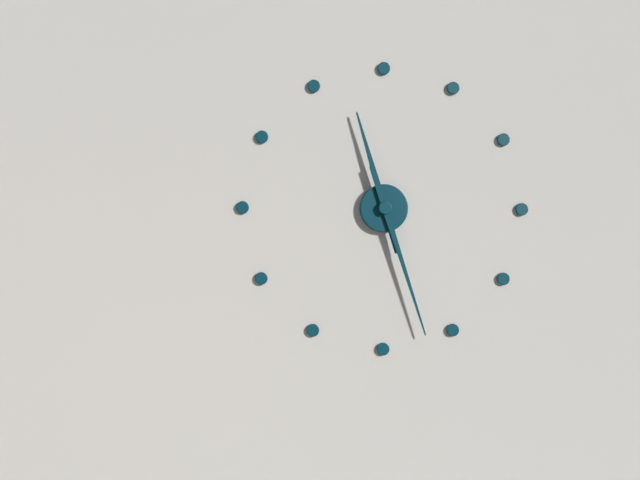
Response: 11:27
